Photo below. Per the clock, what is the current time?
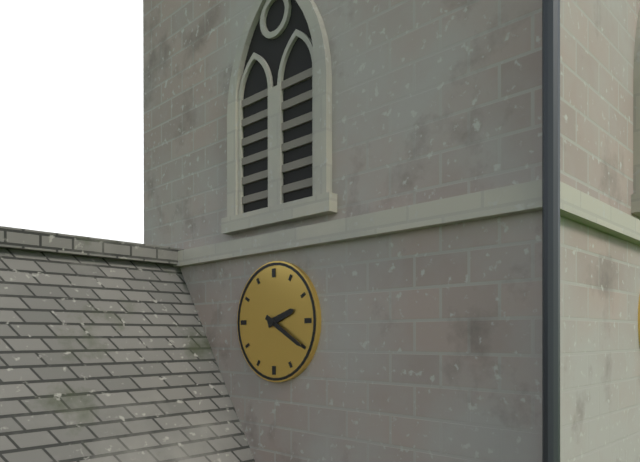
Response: 2:20
